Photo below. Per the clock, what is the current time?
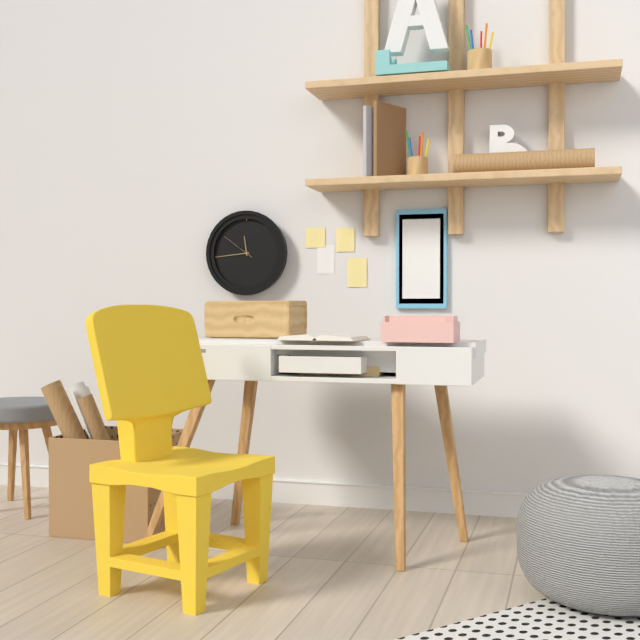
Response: 11:44
